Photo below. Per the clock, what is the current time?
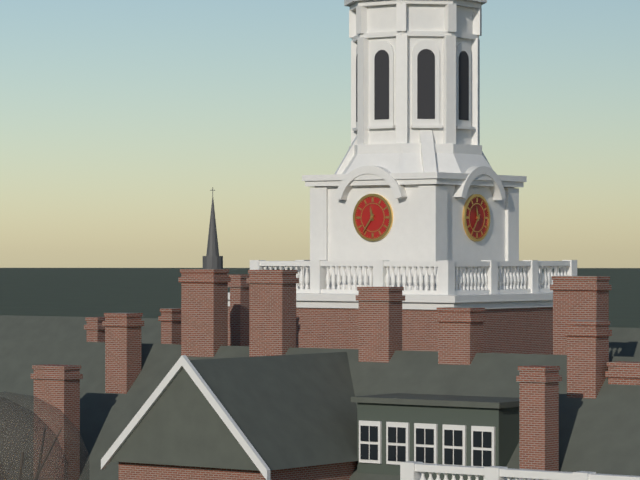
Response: 11:36
